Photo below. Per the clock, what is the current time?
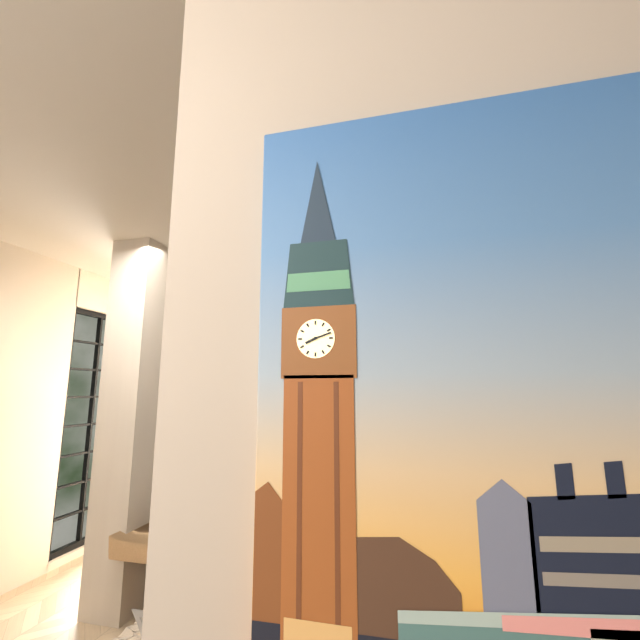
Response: 8:12
